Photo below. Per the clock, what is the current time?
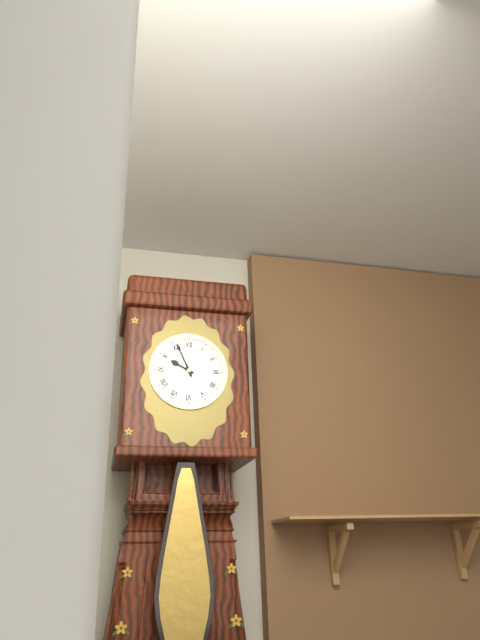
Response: 9:56
